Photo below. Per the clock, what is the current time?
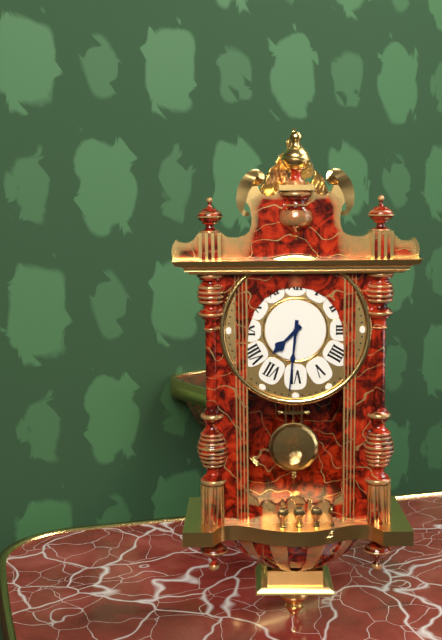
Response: 7:31
